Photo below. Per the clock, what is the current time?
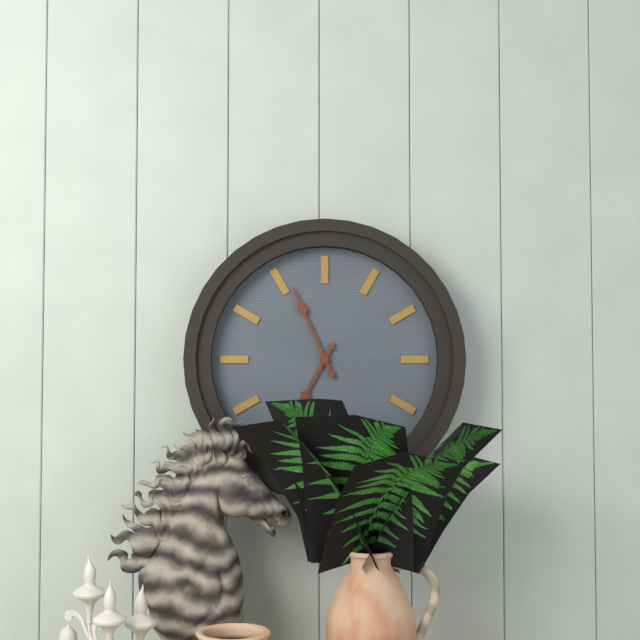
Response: 6:56
